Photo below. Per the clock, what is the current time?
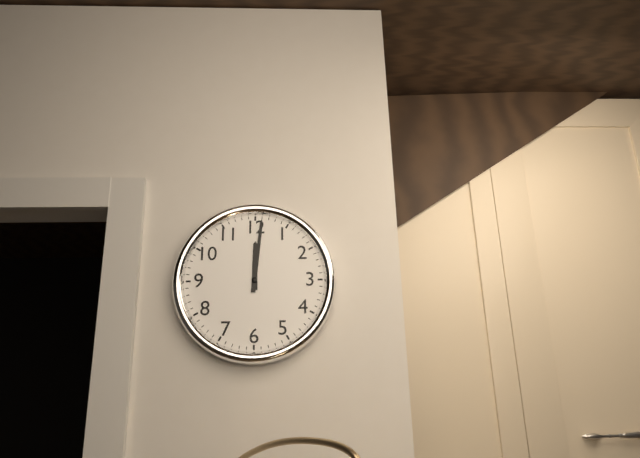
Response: 12:01
